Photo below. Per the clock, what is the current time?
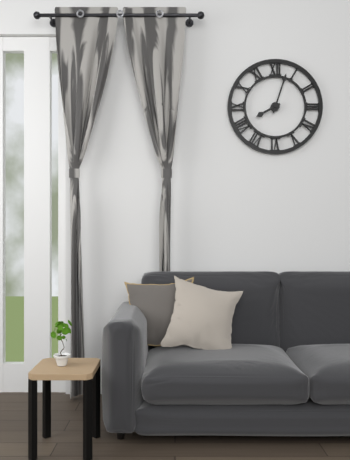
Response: 8:03
